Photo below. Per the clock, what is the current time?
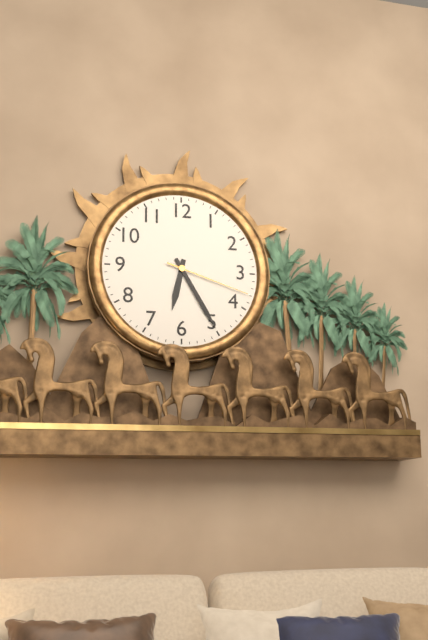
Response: 6:25:18
